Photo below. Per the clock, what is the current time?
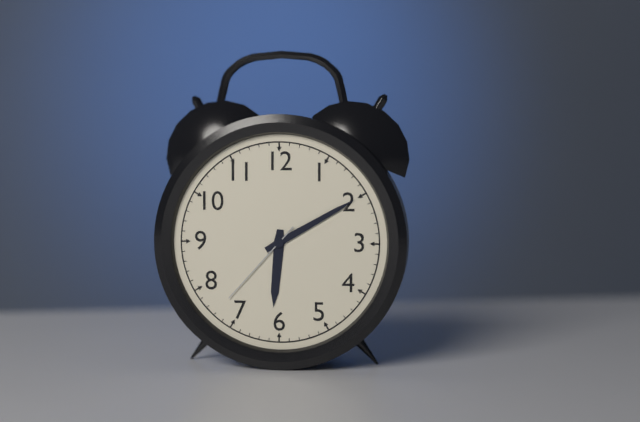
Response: 6:10:37
